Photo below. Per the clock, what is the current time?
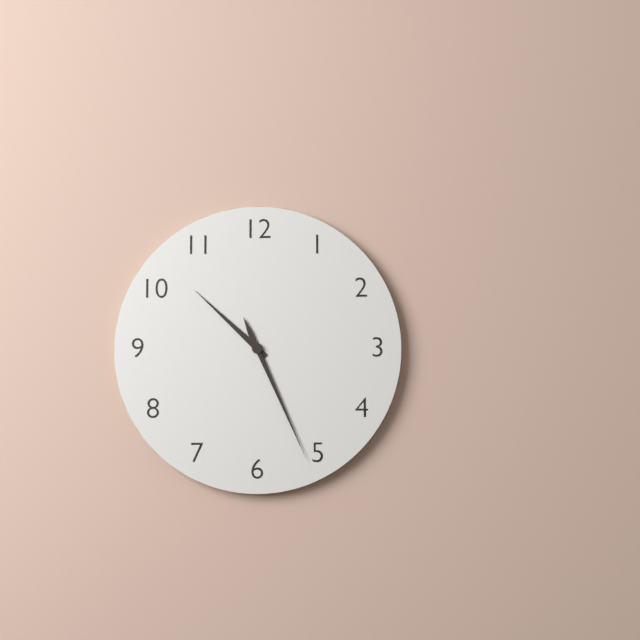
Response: 10:26
